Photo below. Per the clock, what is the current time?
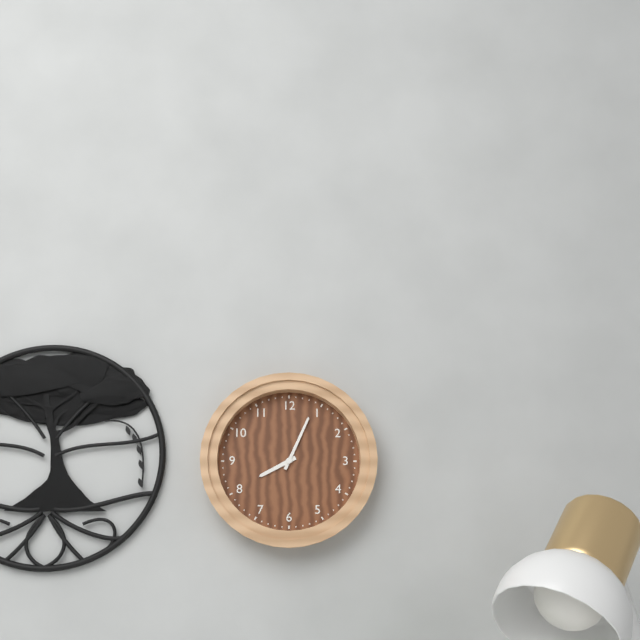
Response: 8:04
